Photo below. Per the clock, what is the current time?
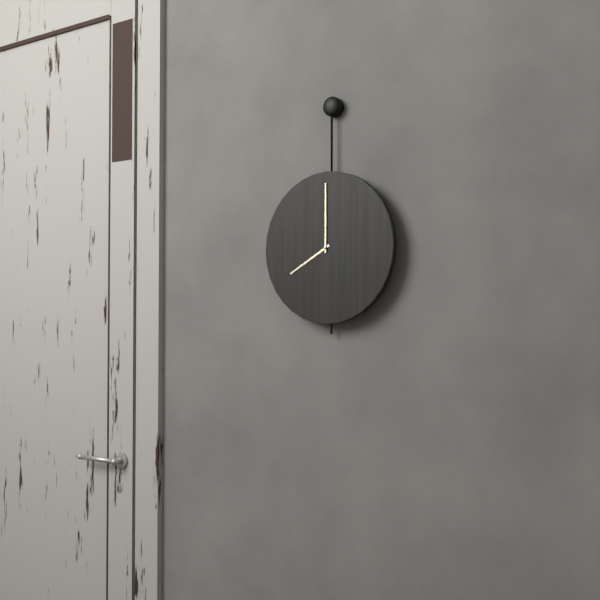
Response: 8:00
